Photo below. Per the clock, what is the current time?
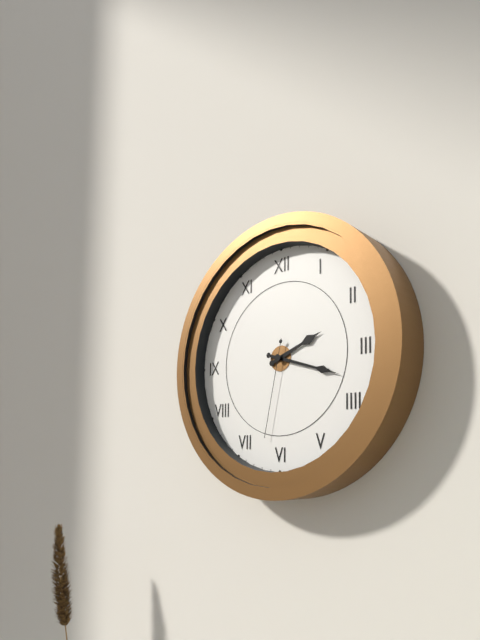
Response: 2:18:32
